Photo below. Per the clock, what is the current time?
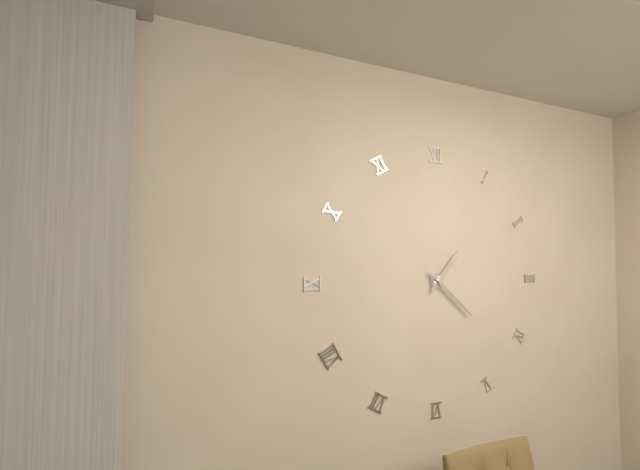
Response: 1:22
